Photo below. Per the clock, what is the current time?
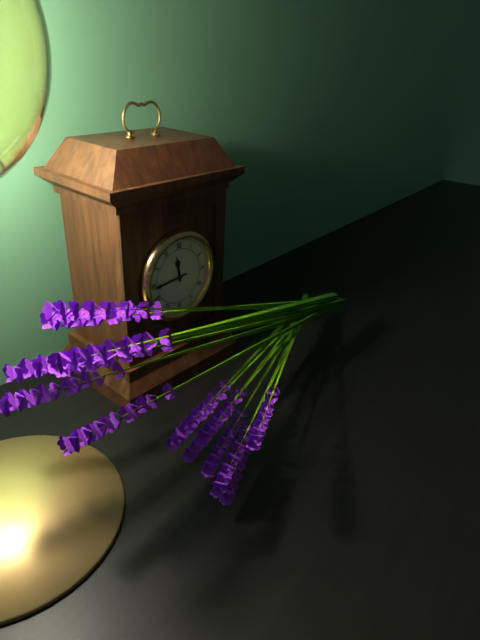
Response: 11:44
